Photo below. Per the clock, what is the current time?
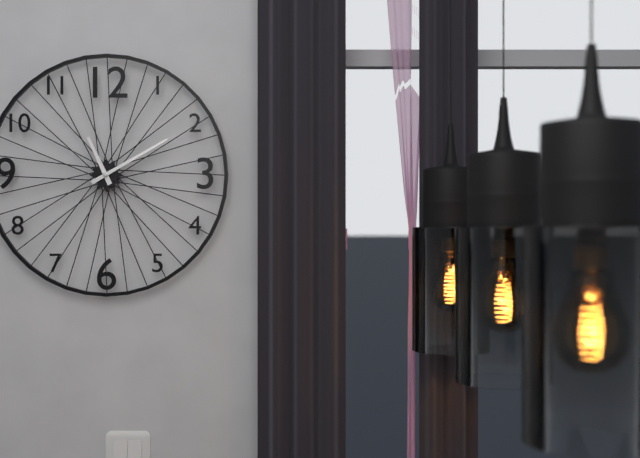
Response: 11:10
